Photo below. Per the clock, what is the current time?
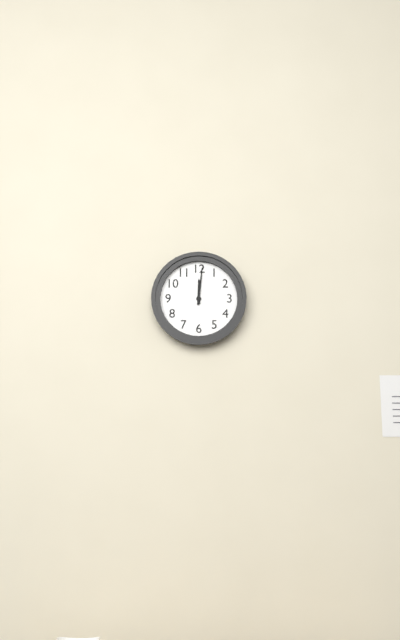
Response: 12:01
